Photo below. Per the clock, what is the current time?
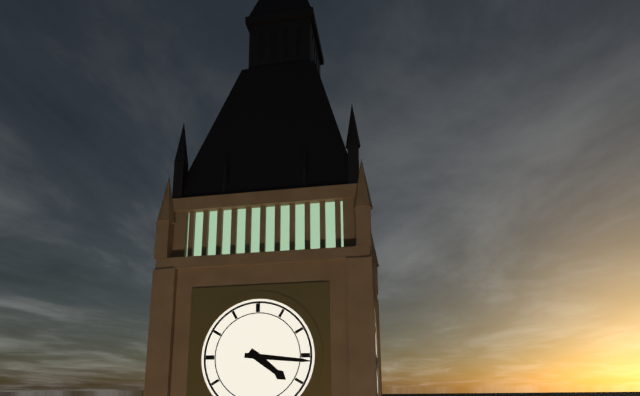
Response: 4:16
